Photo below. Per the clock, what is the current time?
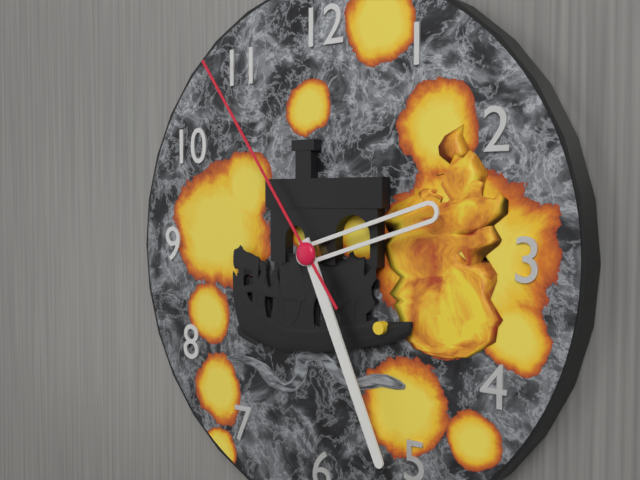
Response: 2:26:54
